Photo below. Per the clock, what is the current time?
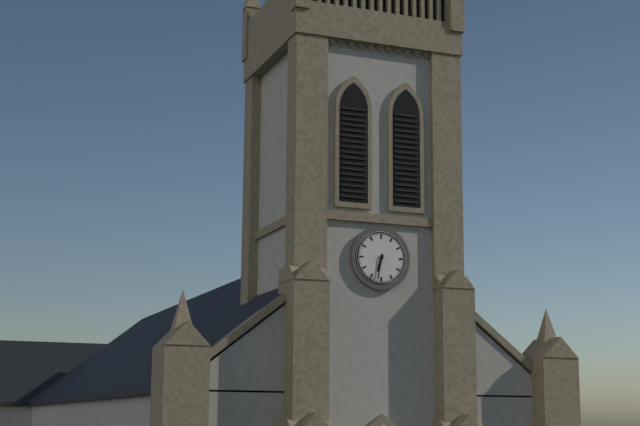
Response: 6:32
